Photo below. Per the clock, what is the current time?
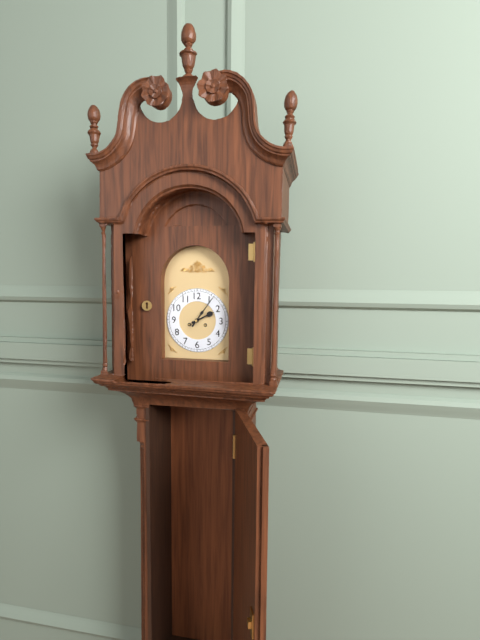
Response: 2:06
